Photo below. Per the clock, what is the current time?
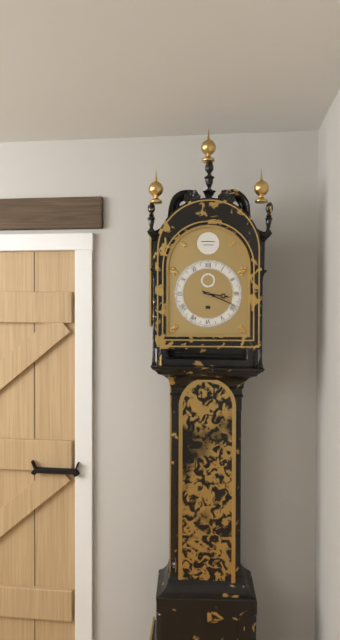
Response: 3:19
